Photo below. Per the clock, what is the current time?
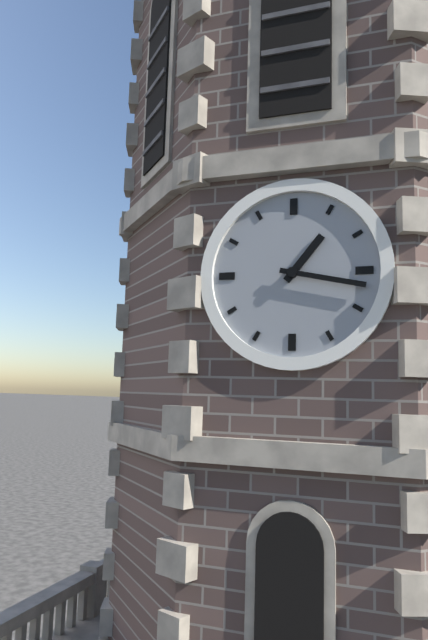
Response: 1:17
